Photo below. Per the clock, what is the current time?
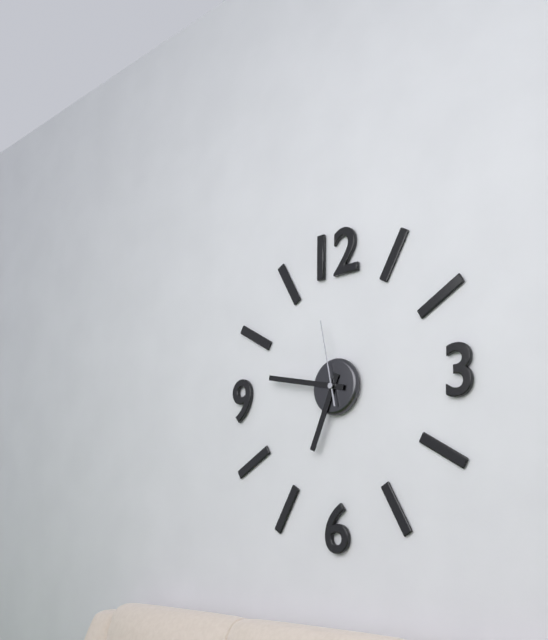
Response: 6:47:58
